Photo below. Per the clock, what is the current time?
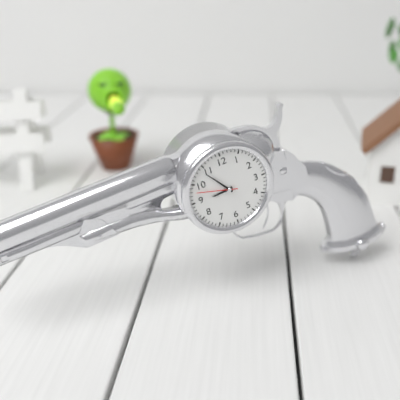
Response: 8:54
